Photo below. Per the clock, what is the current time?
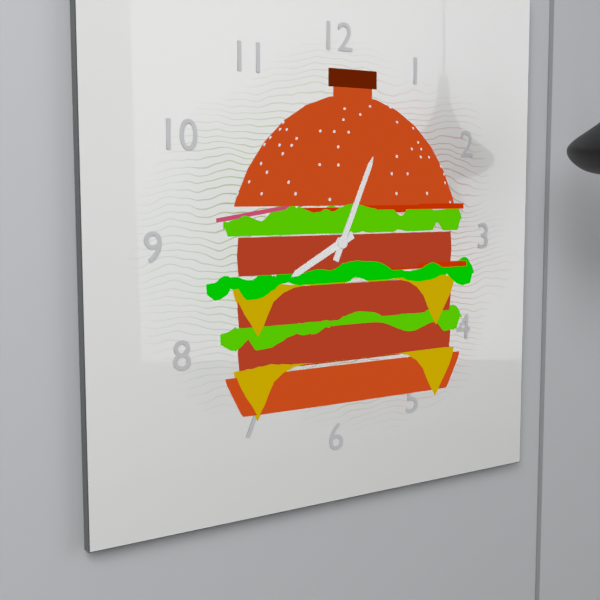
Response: 8:04
